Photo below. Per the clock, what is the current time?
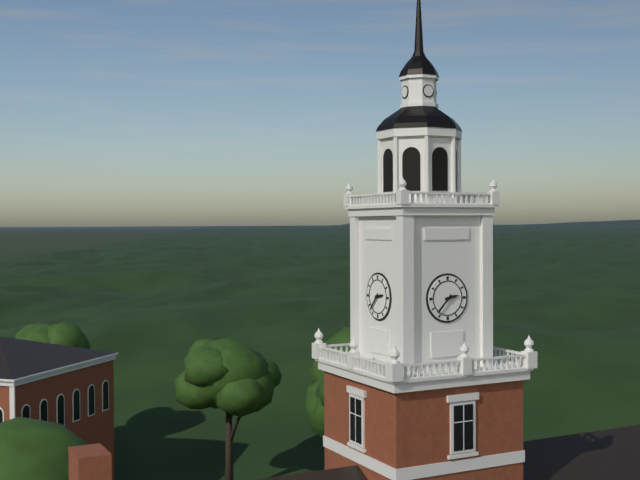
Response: 2:37
